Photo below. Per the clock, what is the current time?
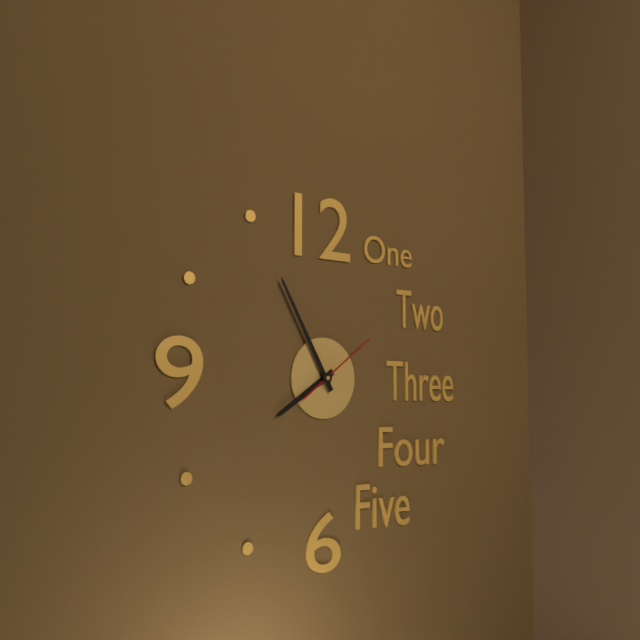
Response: 7:55:09
